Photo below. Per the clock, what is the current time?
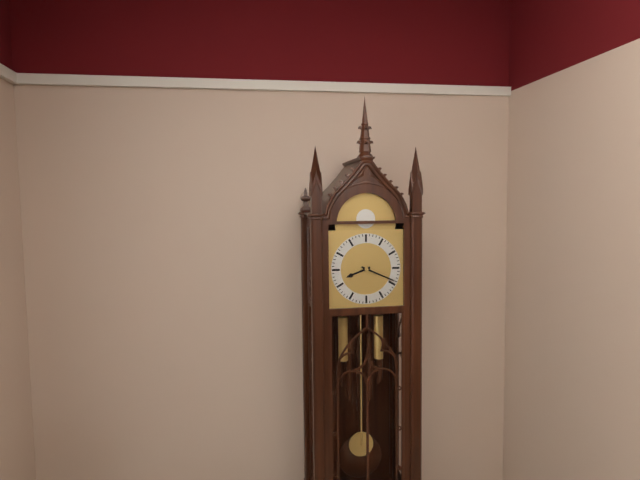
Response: 8:19
